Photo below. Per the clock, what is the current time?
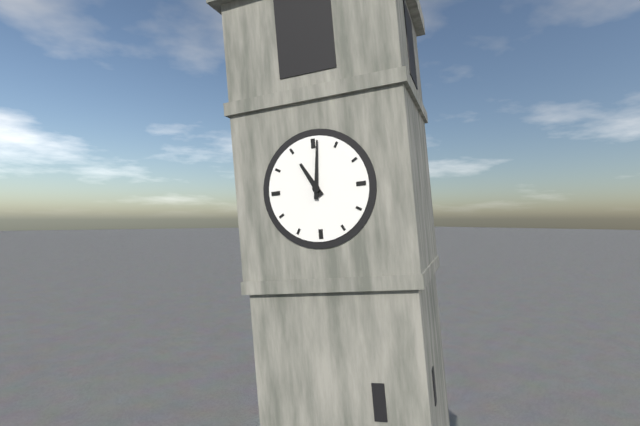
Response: 11:01
